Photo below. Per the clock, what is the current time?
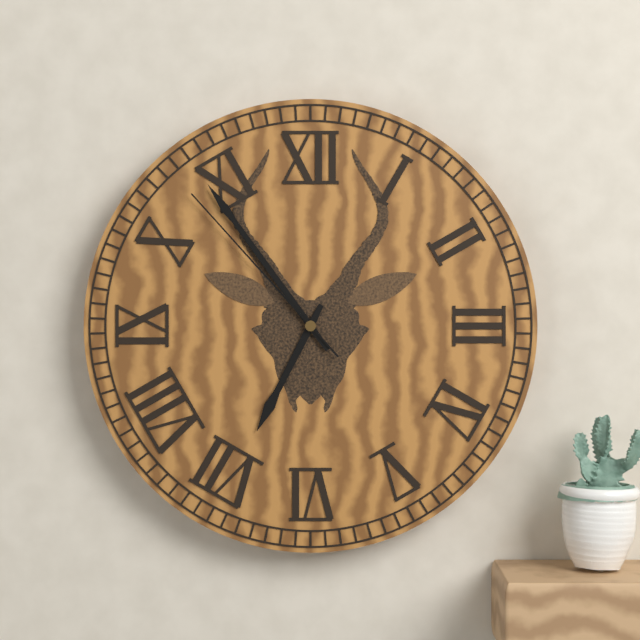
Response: 6:54:53
